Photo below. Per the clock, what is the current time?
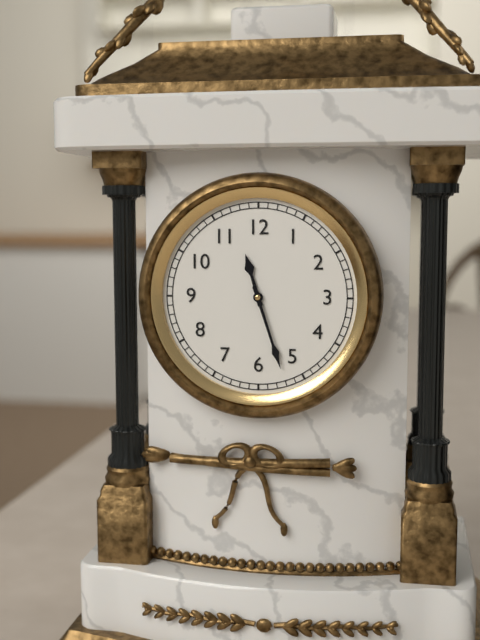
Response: 11:27
